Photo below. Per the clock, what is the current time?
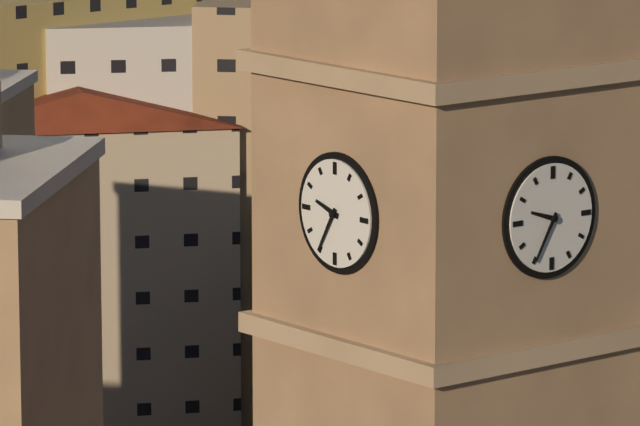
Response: 9:35
